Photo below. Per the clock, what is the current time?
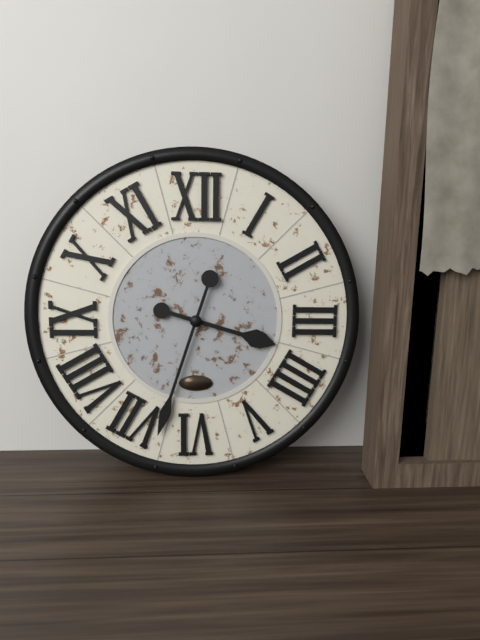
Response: 3:33
